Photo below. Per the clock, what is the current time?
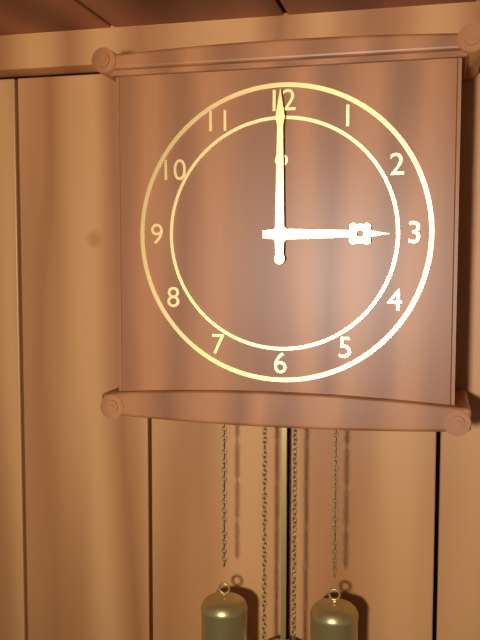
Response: 3:00
